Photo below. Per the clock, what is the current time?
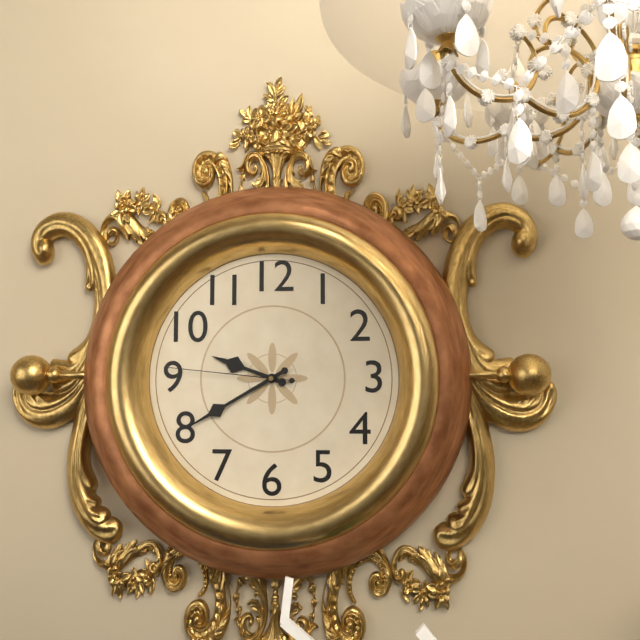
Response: 9:40:46
